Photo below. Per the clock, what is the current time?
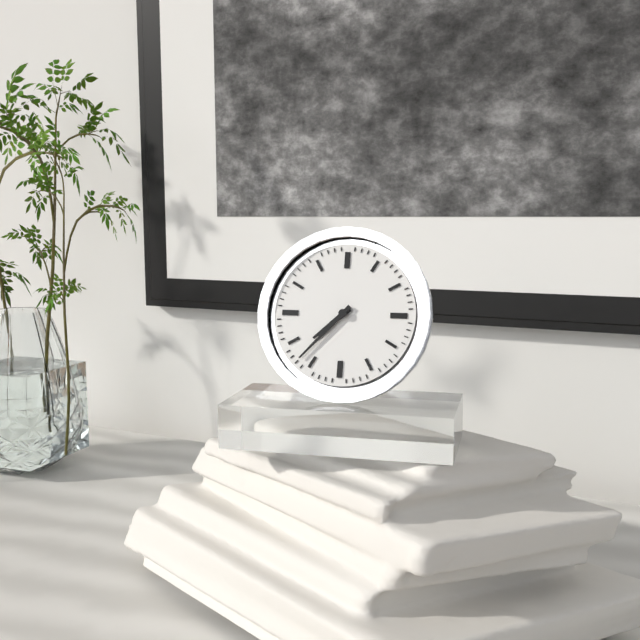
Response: 7:37
